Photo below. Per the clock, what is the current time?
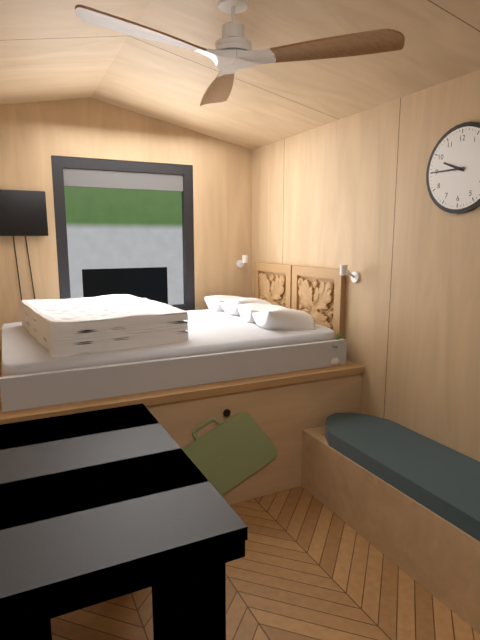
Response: 9:45
